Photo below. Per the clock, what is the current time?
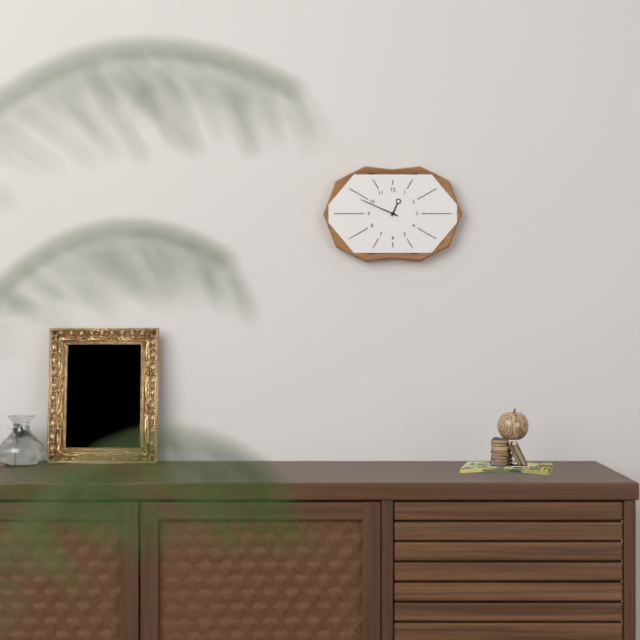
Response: 12:49
